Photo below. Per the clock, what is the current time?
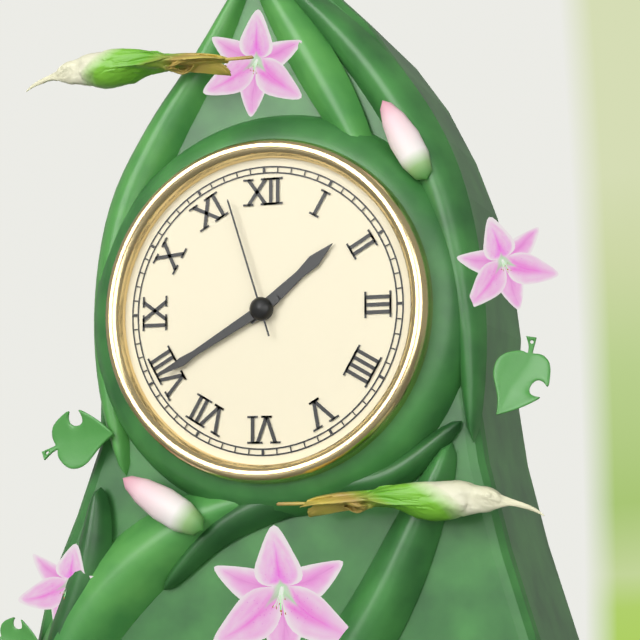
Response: 1:40:57
